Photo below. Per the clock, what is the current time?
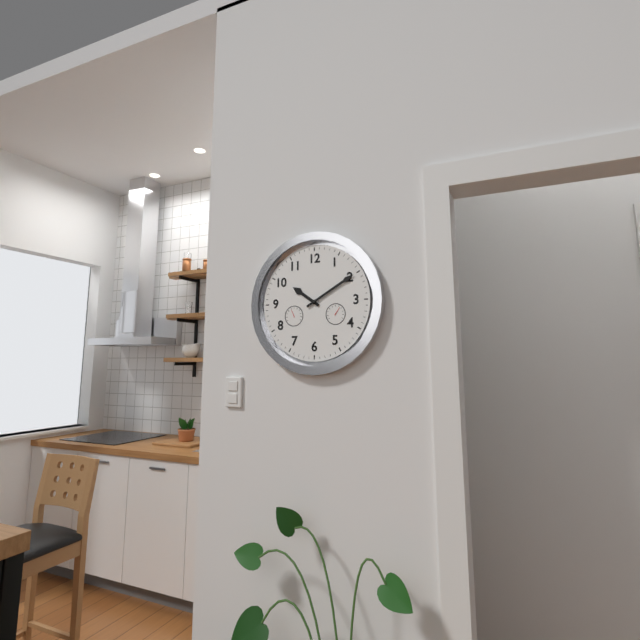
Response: 10:10
